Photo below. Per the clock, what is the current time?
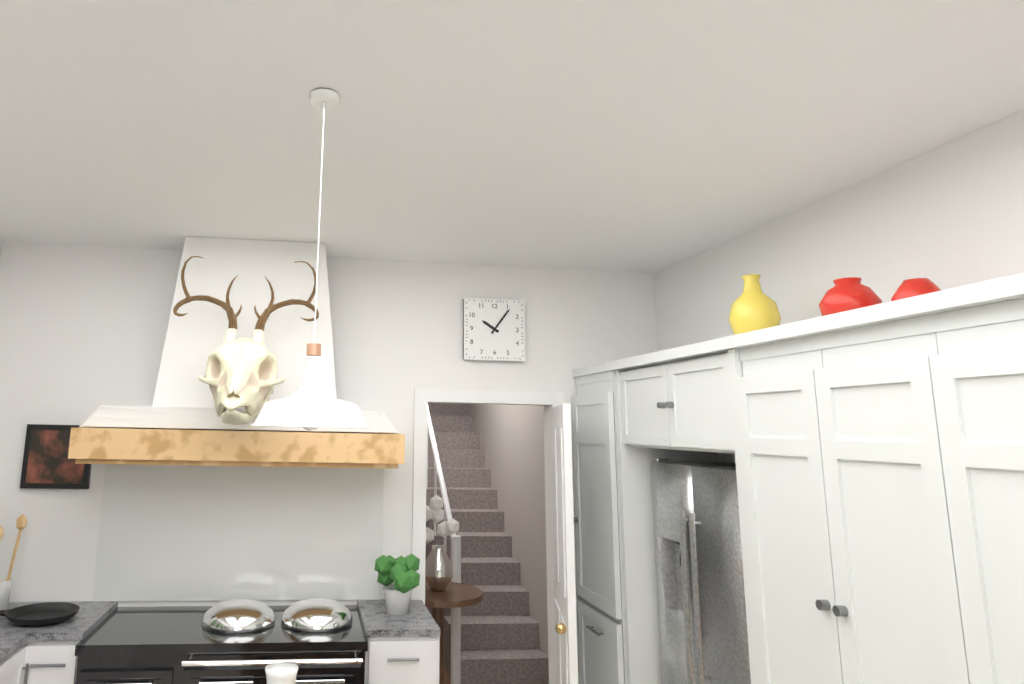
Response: 10:06
